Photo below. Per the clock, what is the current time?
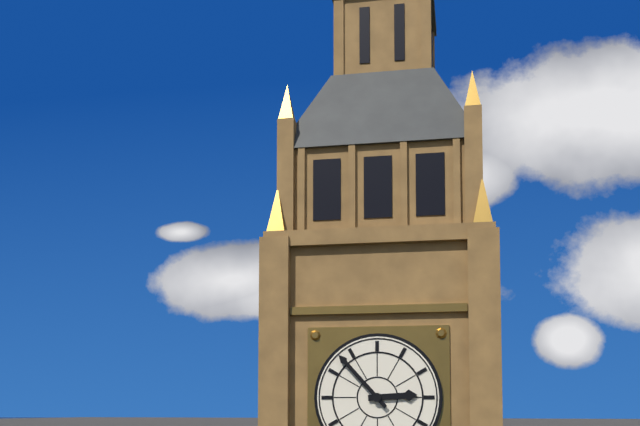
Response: 2:53
